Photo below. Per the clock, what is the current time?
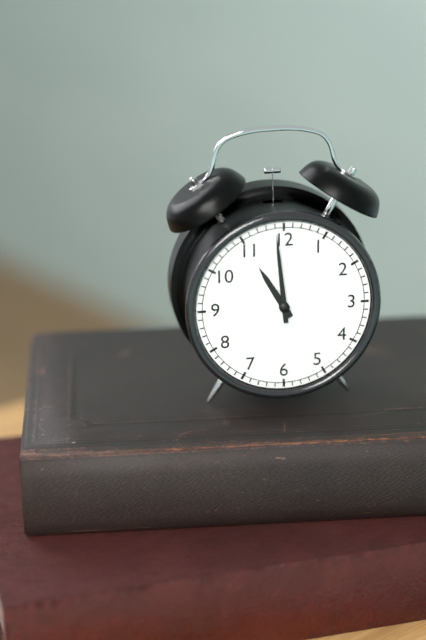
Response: 10:59
